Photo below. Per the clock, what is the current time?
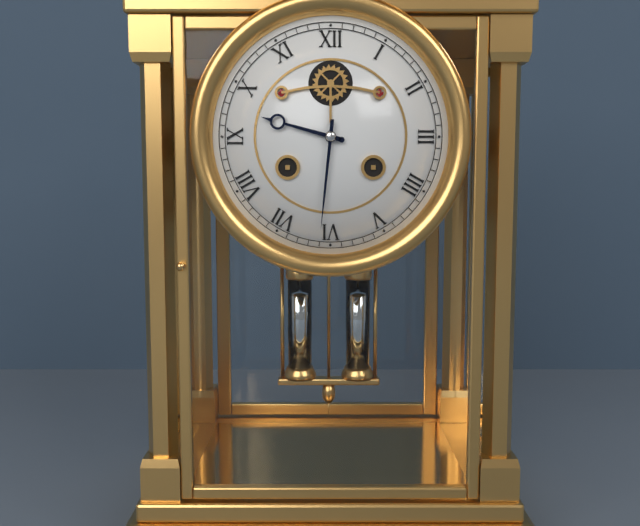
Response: 9:31
